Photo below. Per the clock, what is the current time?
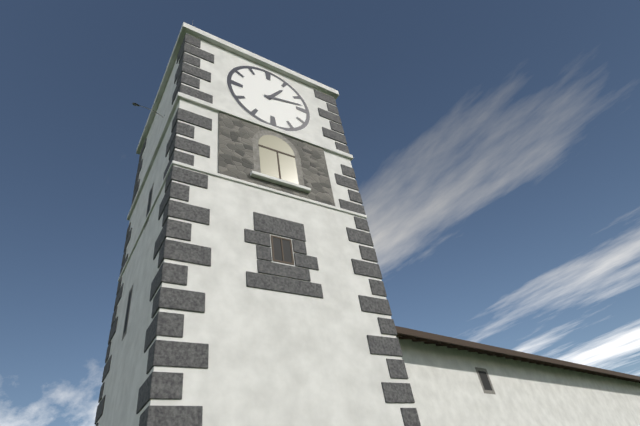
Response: 1:13
